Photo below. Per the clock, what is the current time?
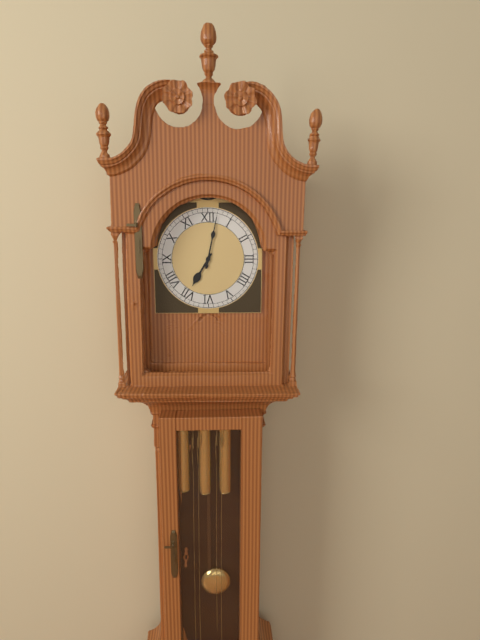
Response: 7:02
